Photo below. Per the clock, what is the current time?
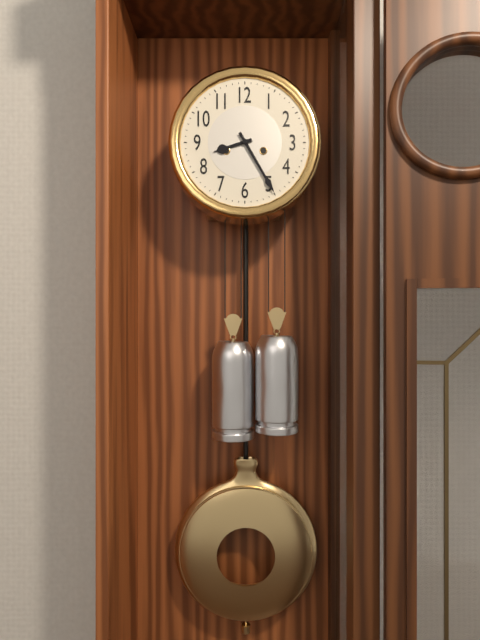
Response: 8:25
